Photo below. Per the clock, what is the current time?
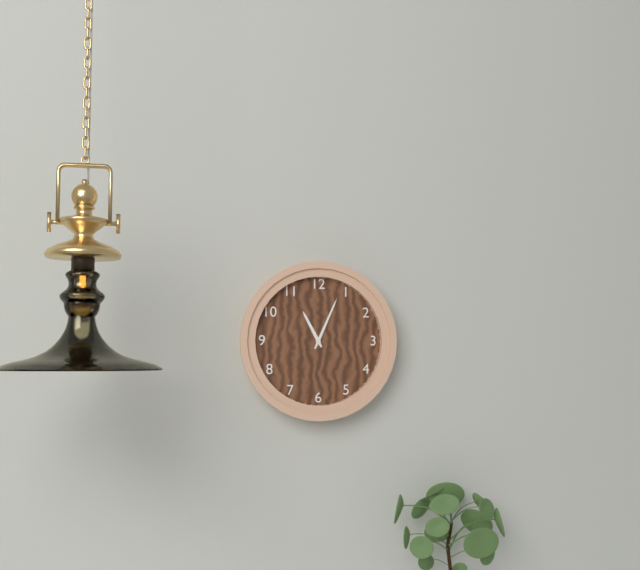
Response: 11:04
